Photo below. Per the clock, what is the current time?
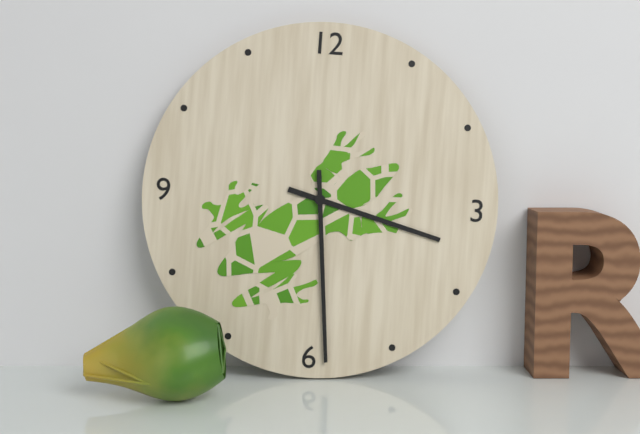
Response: 3:29
